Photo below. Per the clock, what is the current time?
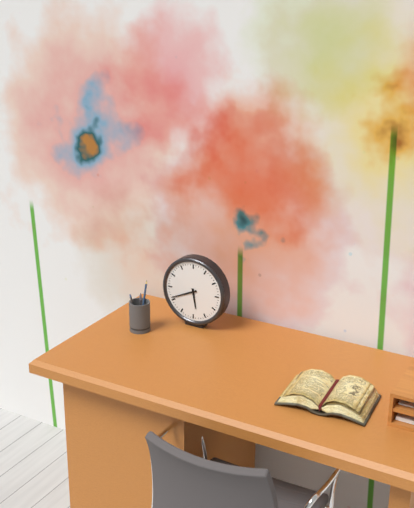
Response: 5:41
